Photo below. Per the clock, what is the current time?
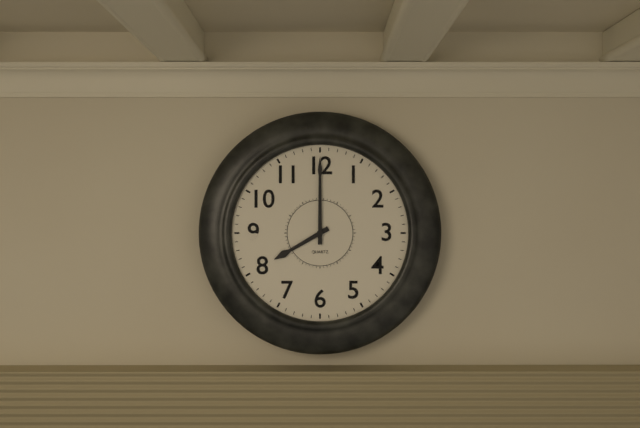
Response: 8:00
